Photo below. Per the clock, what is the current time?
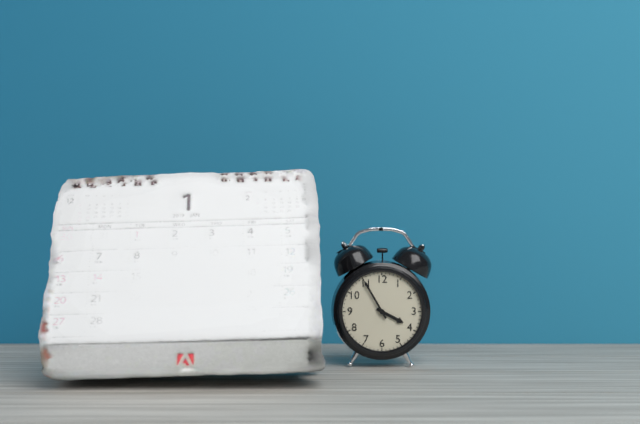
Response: 3:55
